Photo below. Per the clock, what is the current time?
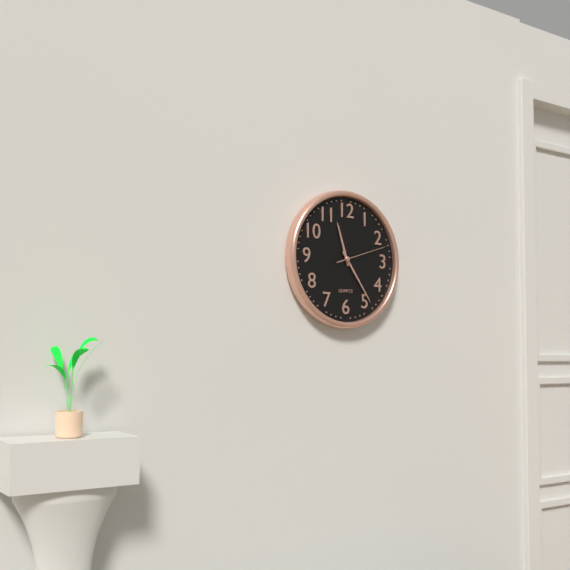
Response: 11:24:12
